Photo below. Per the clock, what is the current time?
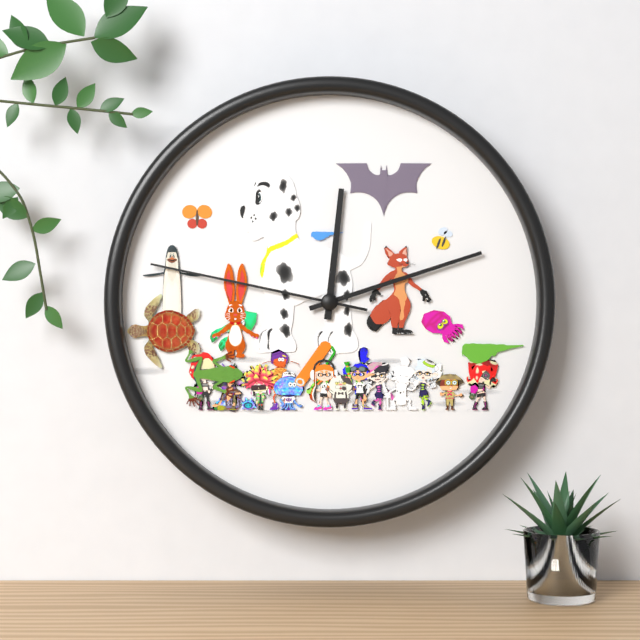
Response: 12:12:47
